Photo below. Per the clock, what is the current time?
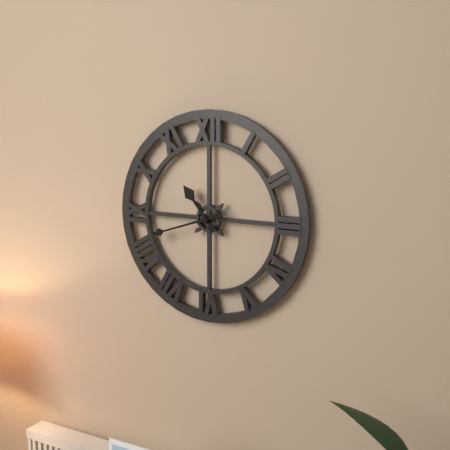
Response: 10:42
